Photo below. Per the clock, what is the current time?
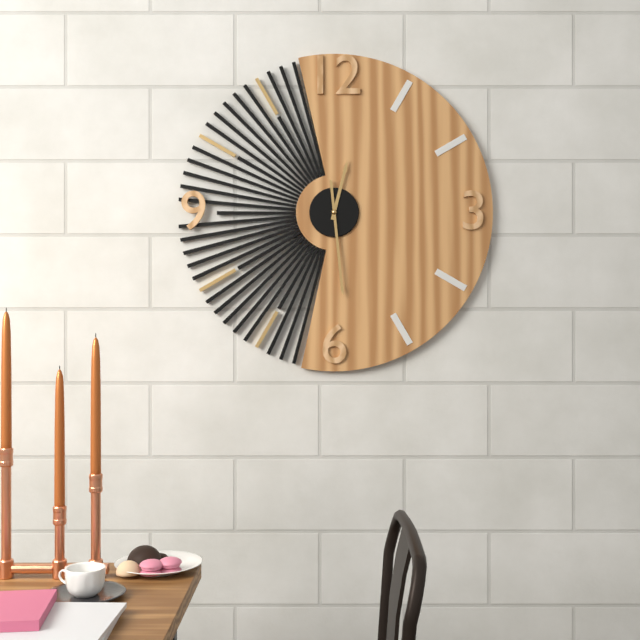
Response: 12:29
